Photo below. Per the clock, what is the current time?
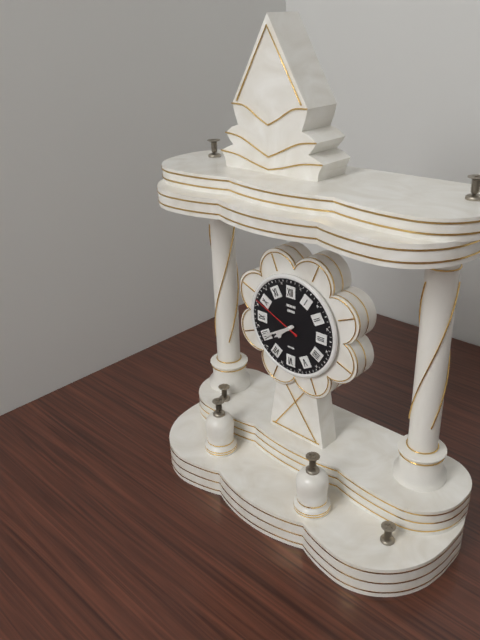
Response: 7:40:49
